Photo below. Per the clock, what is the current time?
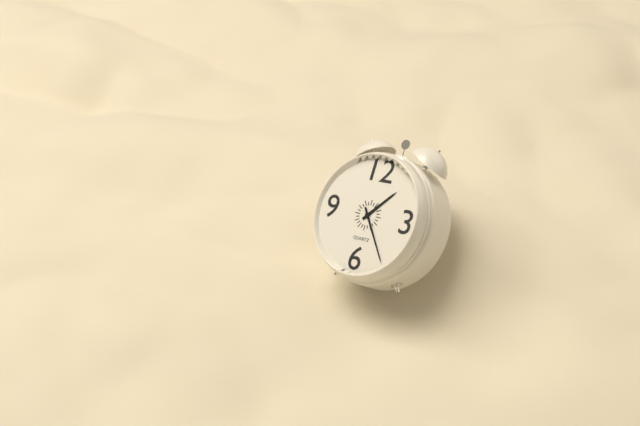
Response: 1:24
